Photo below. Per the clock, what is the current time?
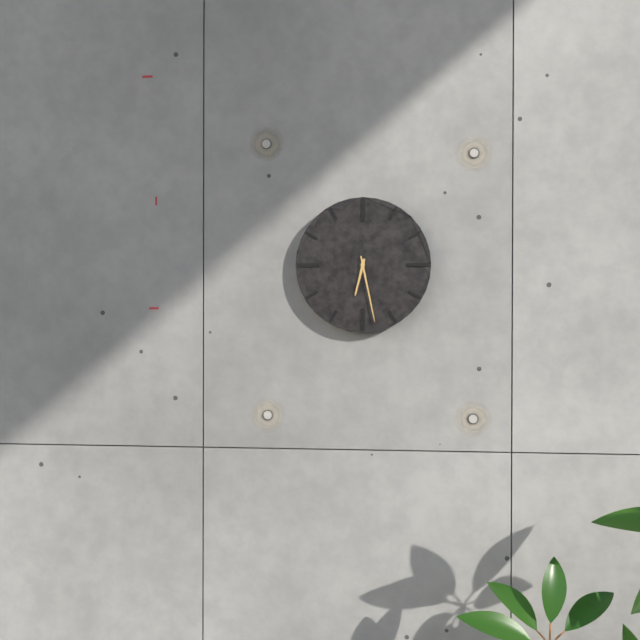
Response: 6:28
